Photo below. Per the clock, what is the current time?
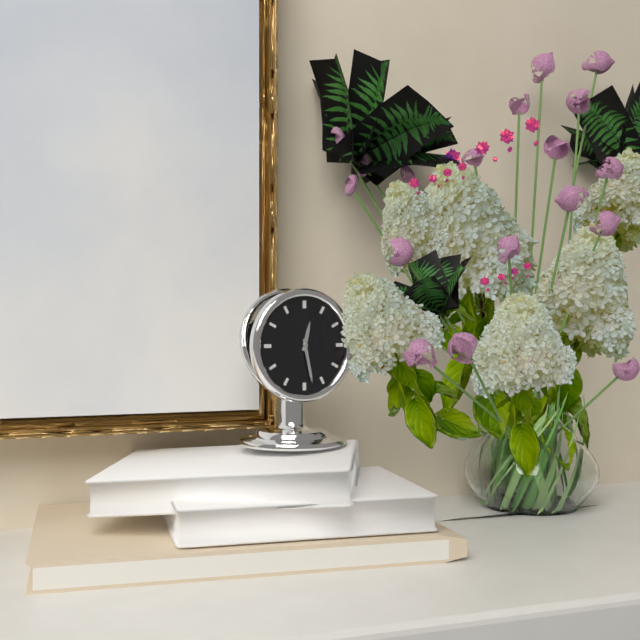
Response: 12:28
